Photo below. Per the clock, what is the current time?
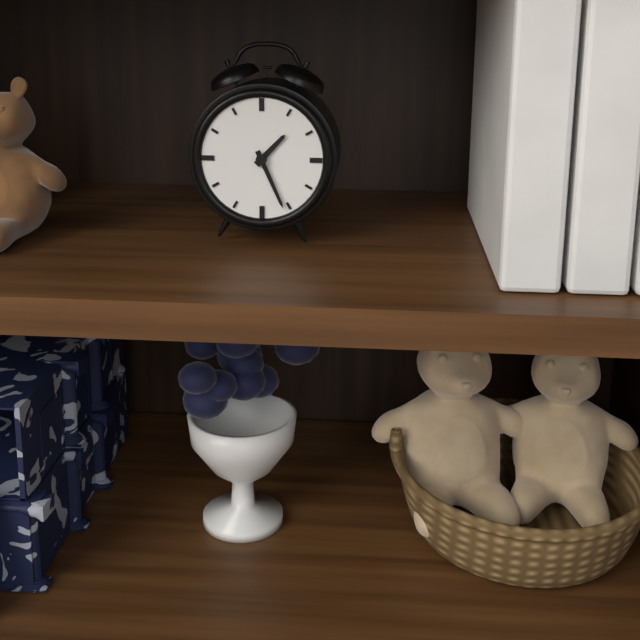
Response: 1:26
